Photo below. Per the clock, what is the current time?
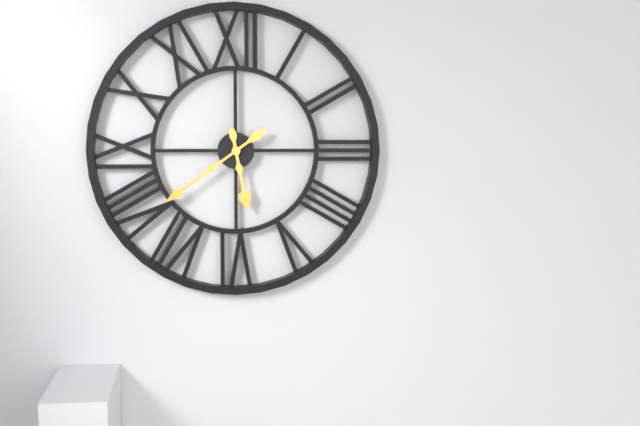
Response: 5:39
